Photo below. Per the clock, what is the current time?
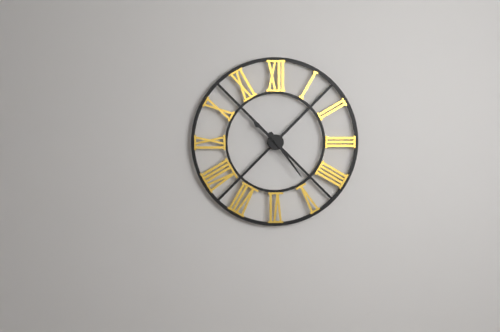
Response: 10:24
